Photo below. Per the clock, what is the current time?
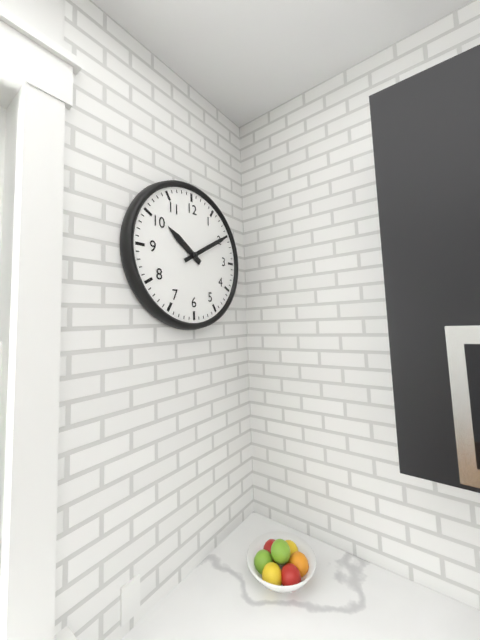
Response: 10:10
